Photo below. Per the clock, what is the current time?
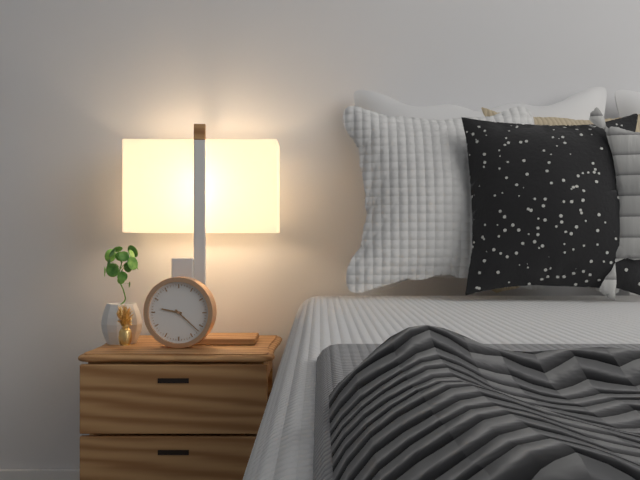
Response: 9:22
